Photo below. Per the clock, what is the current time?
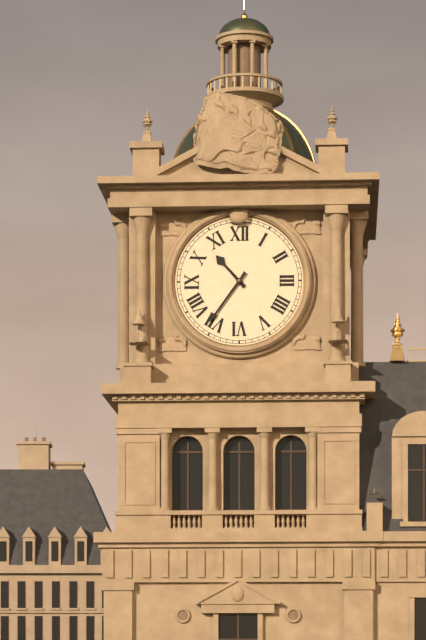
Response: 10:36
